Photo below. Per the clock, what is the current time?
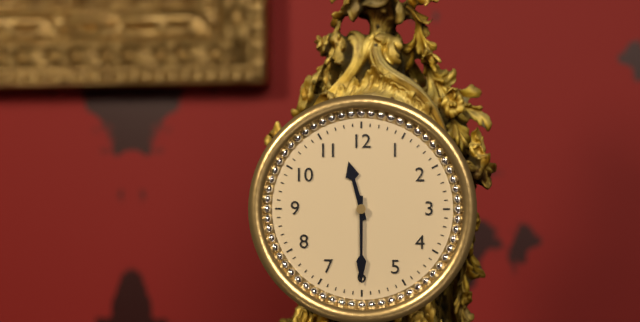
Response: 11:30
